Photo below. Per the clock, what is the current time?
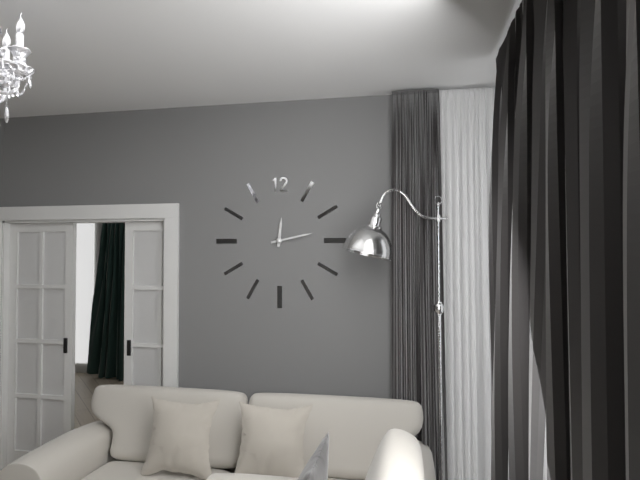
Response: 12:13
